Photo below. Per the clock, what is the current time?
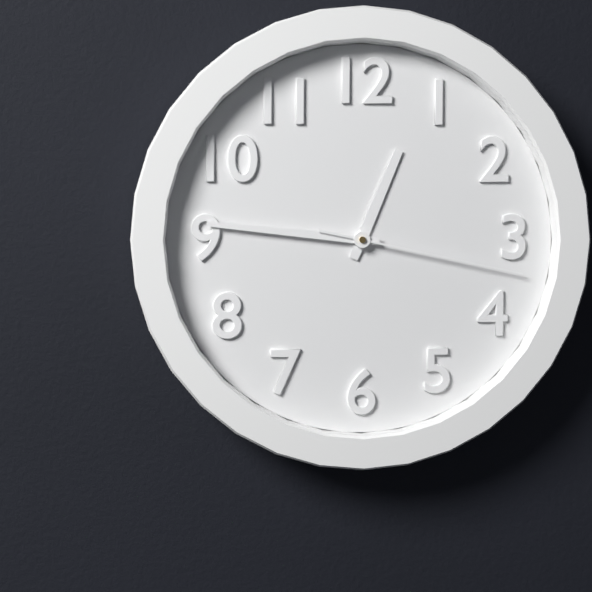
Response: 12:46:17
